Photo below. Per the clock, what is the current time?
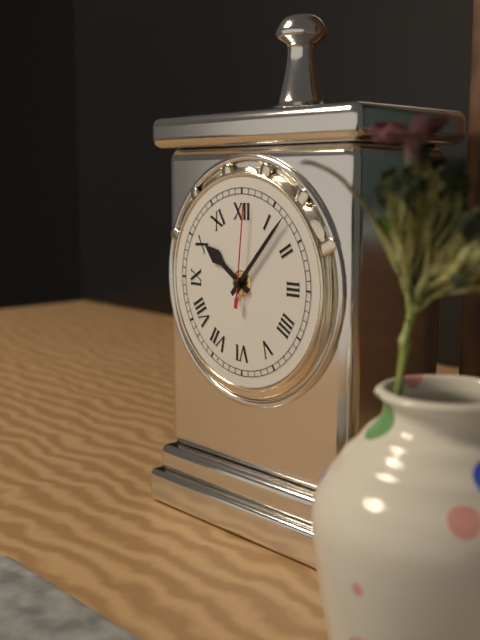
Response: 10:07:01
